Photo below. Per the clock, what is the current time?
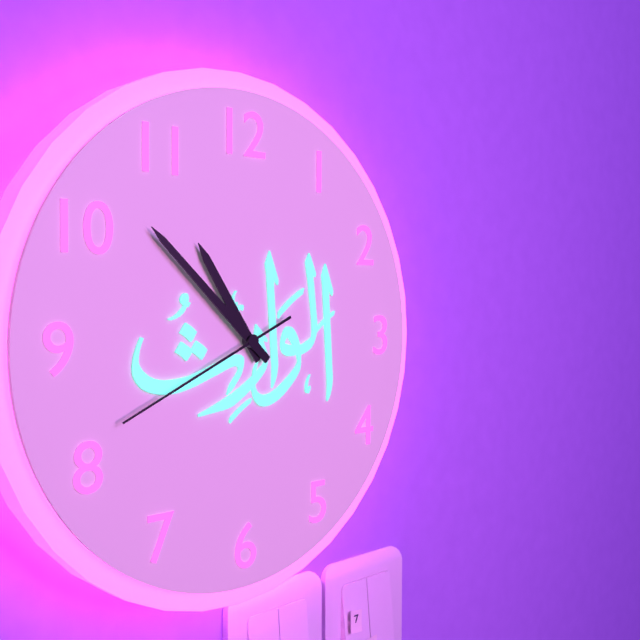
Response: 10:52:41
